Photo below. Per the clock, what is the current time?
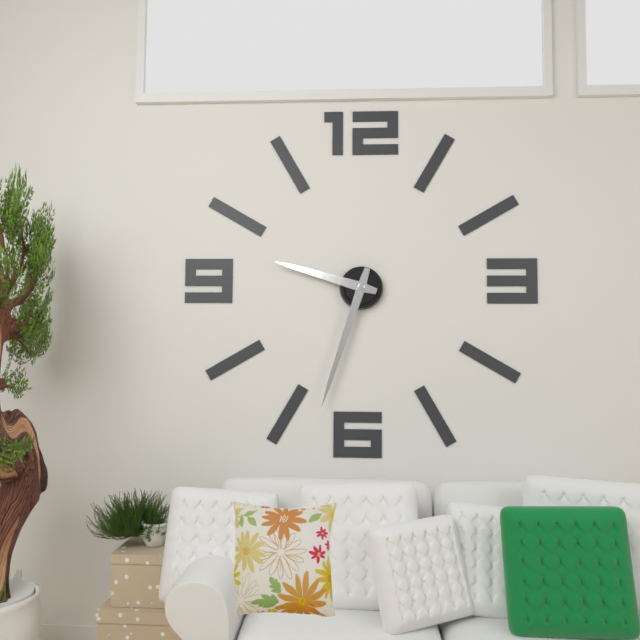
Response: 9:33
